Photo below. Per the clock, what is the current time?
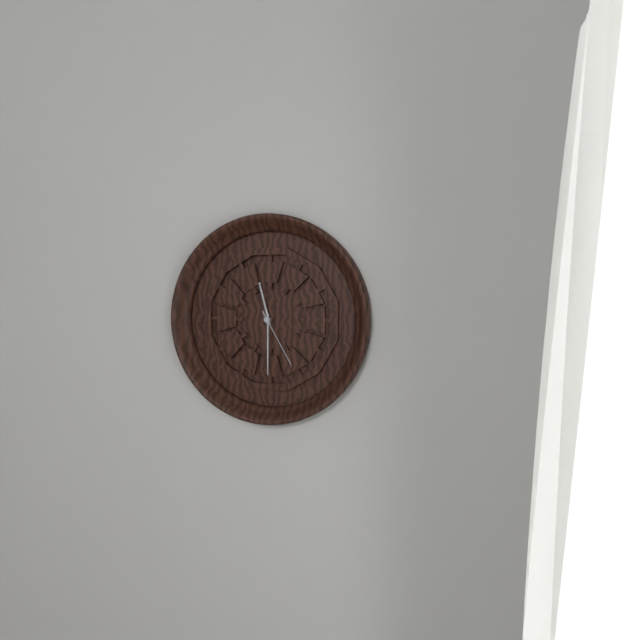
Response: 11:30:25
